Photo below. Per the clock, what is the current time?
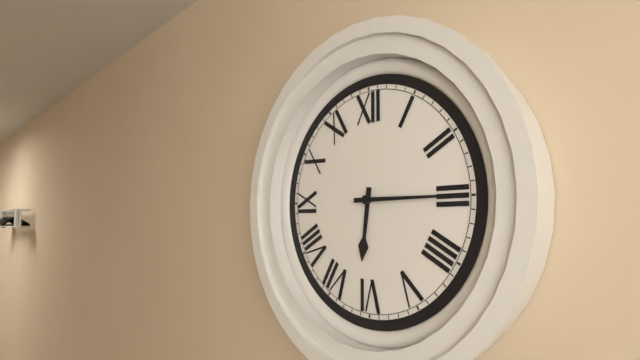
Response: 6:15
